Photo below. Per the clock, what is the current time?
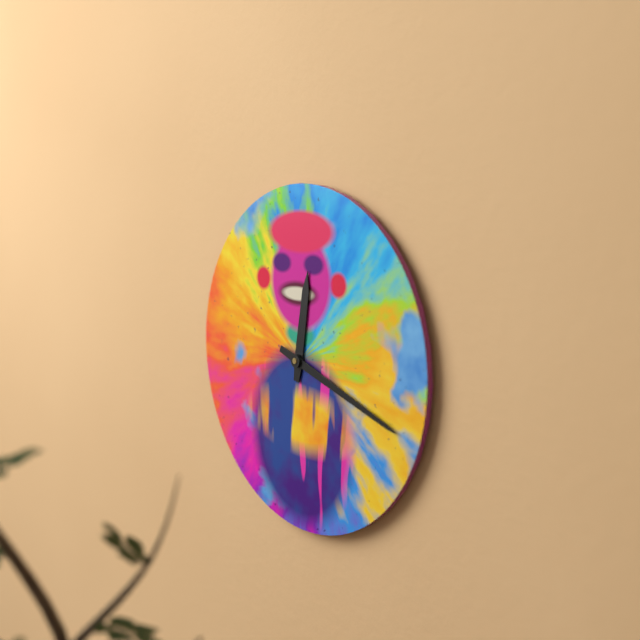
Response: 12:18
